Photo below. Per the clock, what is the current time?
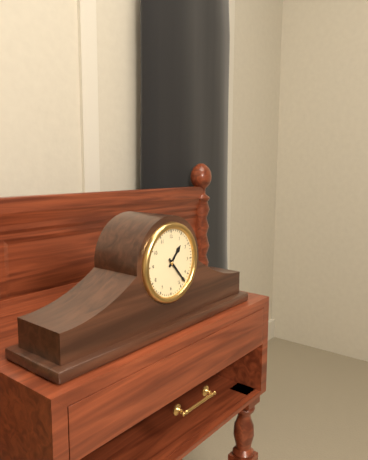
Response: 1:23
